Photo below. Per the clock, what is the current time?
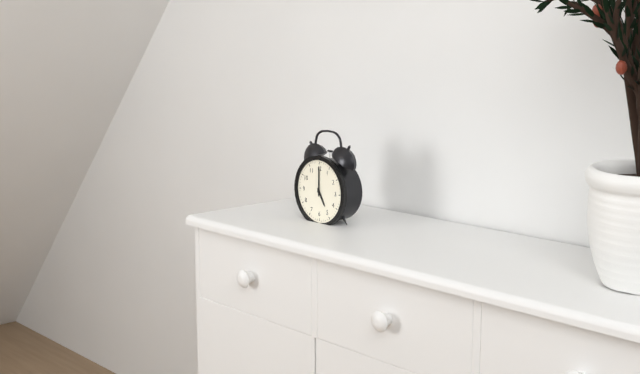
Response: 5:00
